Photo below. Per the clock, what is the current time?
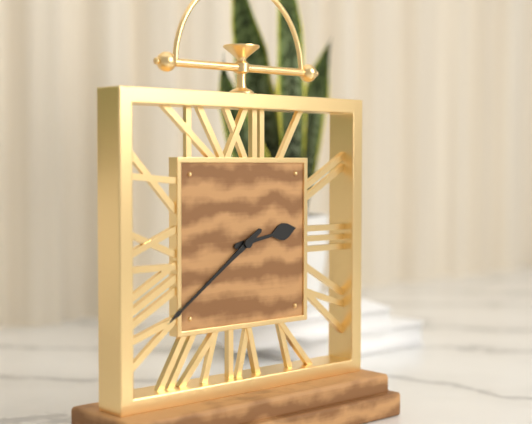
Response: 2:39
